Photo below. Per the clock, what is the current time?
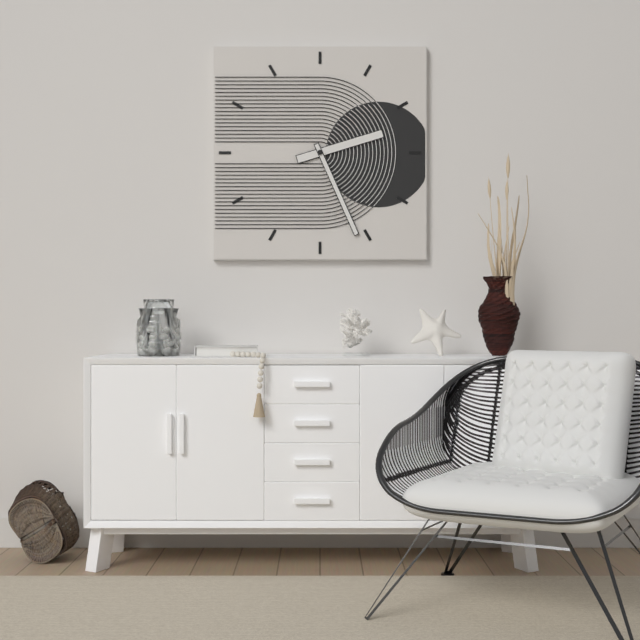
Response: 2:26
